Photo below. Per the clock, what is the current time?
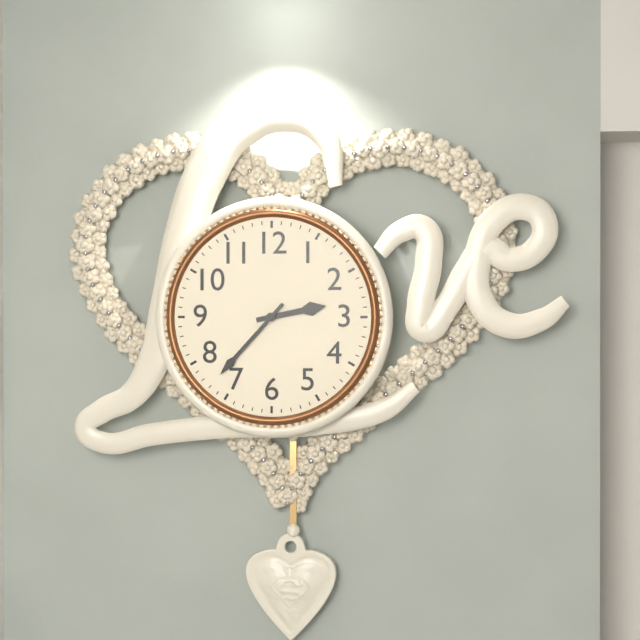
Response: 2:37
